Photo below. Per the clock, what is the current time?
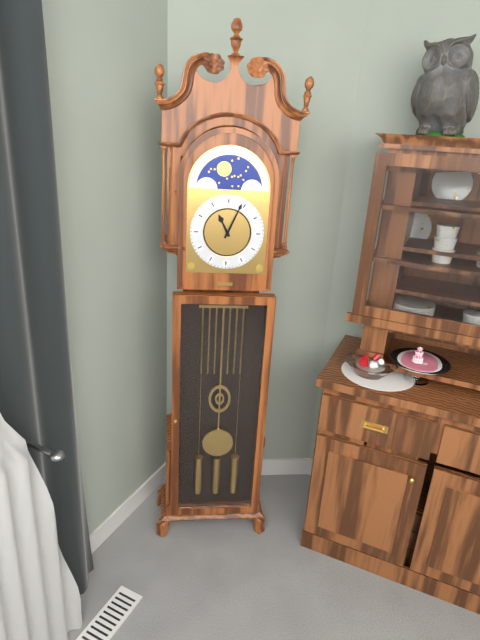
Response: 11:04
